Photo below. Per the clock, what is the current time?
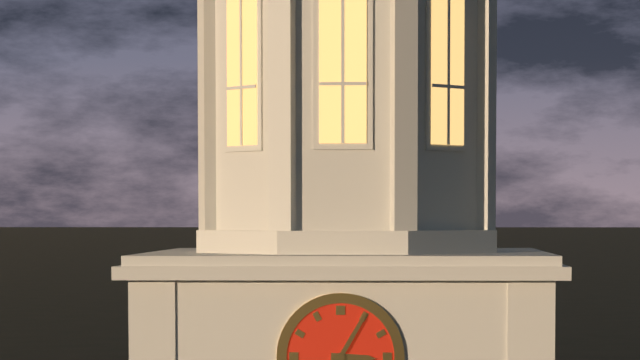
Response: 3:05
